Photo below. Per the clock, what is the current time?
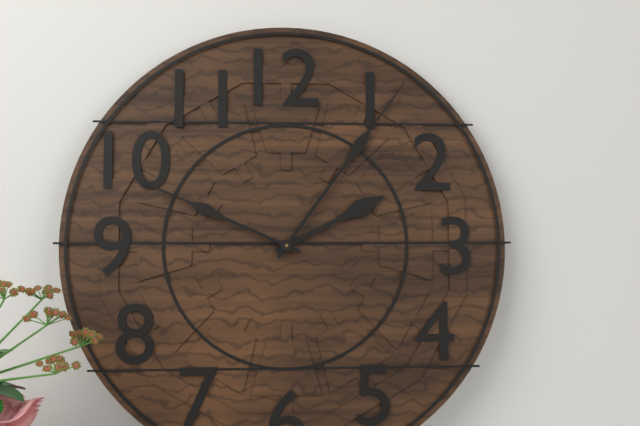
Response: 2:06:49
